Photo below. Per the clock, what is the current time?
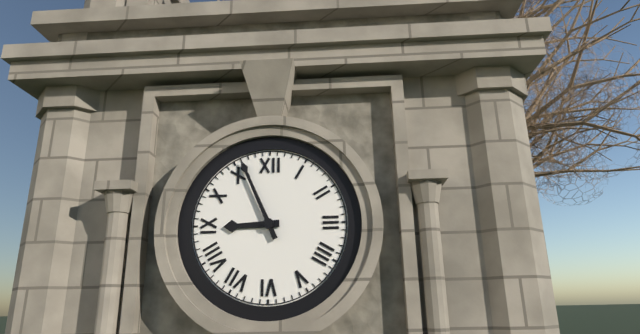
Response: 8:56
